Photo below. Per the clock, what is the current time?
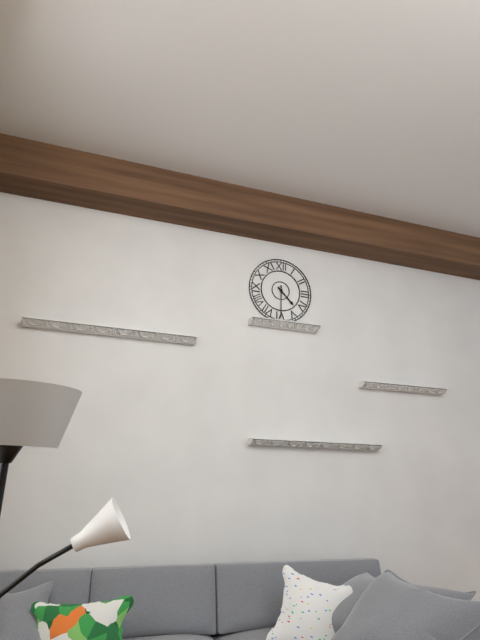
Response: 4:30
